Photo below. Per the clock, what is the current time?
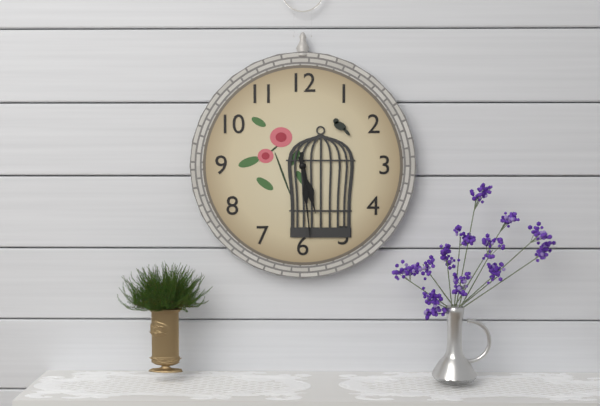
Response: 5:29
